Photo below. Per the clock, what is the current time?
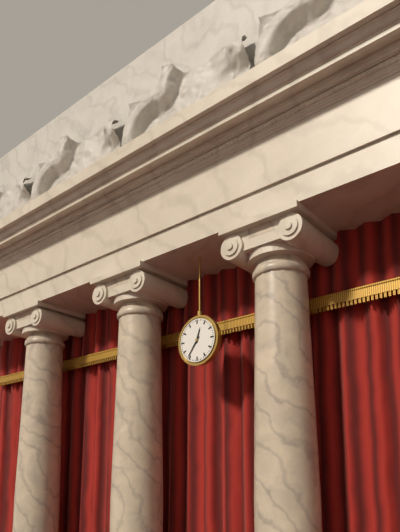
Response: 12:36
